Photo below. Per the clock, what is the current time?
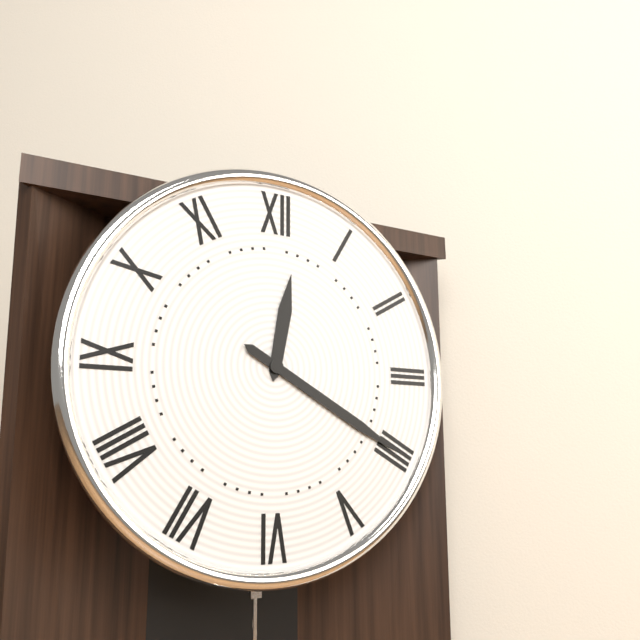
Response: 12:20
